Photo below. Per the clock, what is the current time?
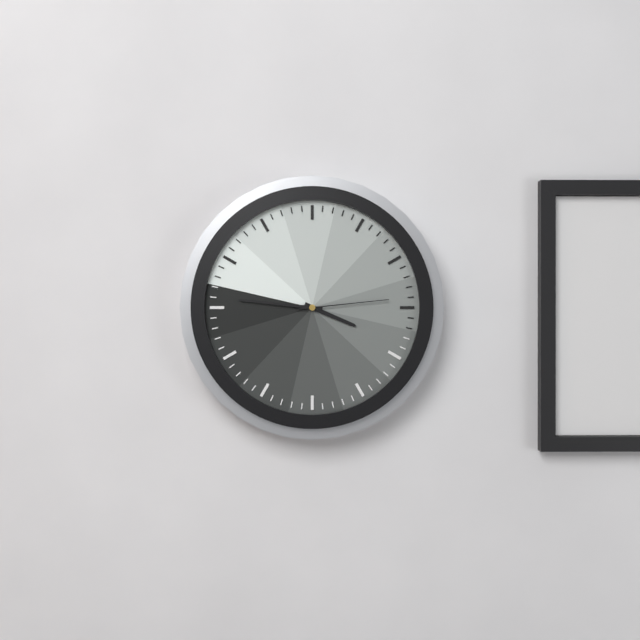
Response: 3:46:14
